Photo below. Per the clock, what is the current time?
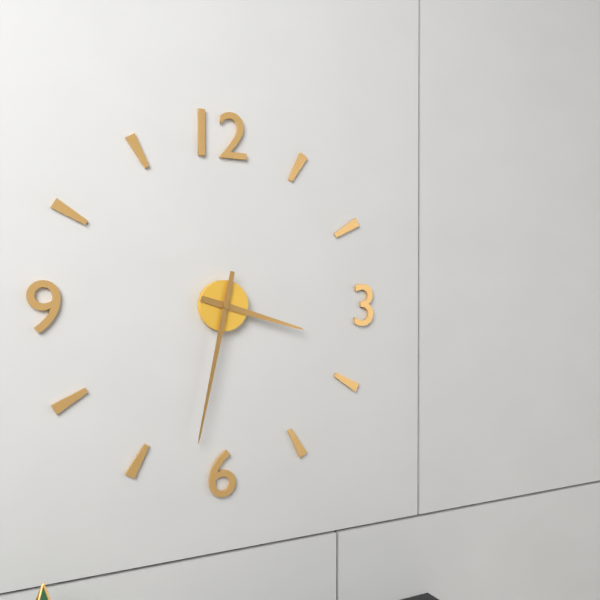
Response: 3:32
